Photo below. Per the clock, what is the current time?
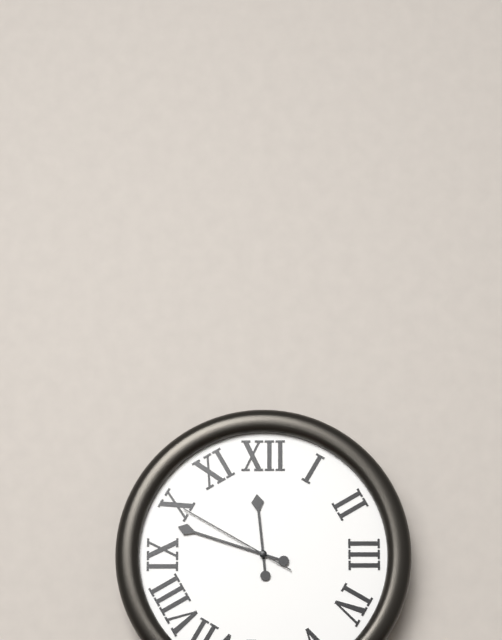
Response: 11:48:50
